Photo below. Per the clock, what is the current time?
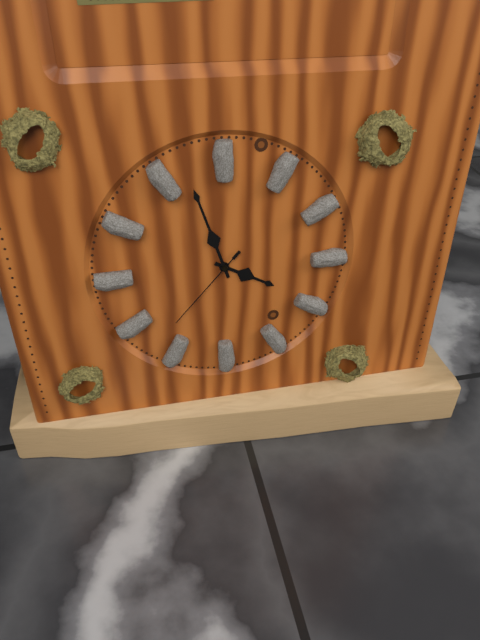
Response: 3:57:37
